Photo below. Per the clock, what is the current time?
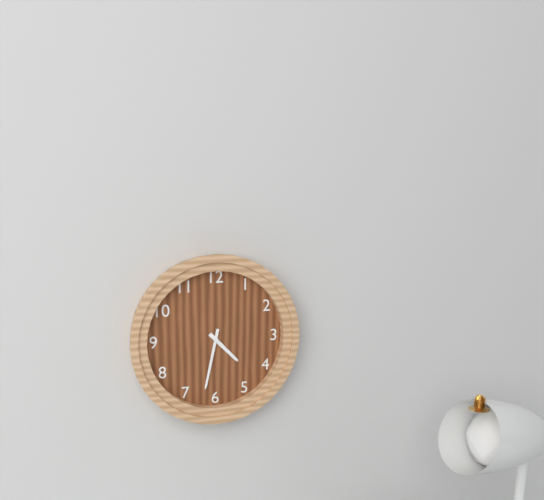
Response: 4:32
